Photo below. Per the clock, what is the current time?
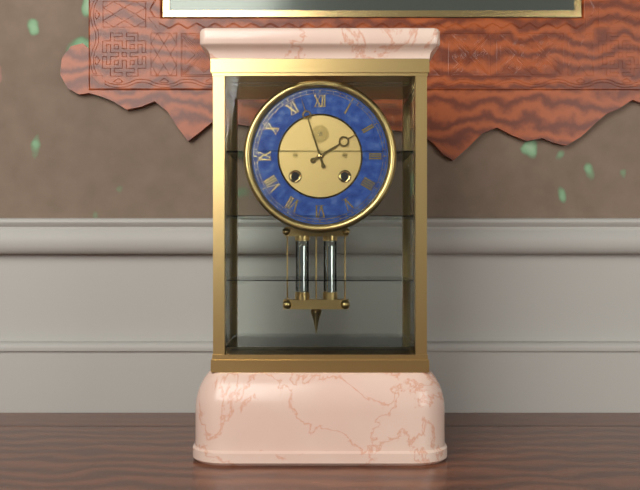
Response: 1:57
